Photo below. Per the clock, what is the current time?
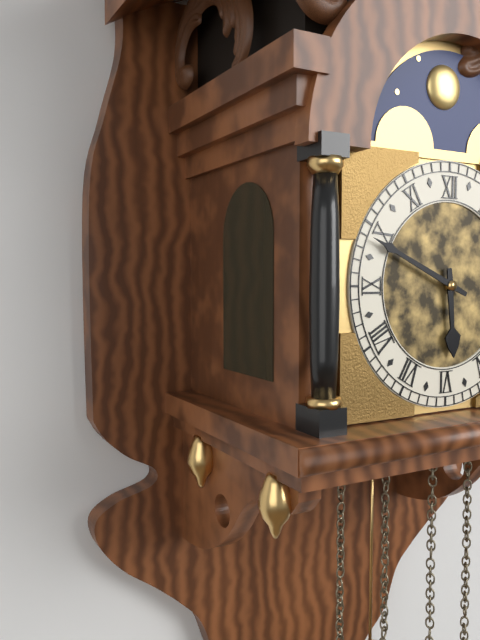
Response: 5:49
